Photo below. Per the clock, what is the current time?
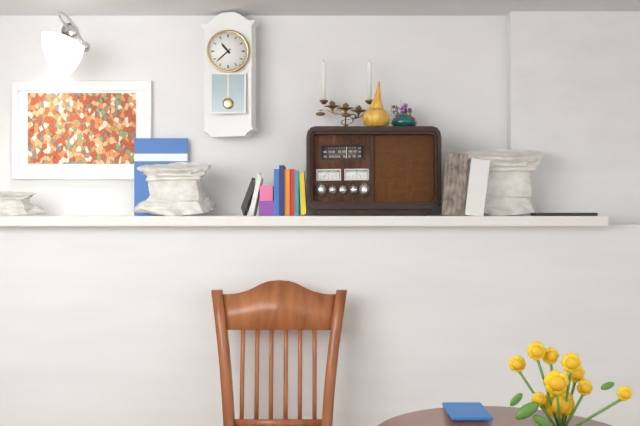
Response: 10:38
